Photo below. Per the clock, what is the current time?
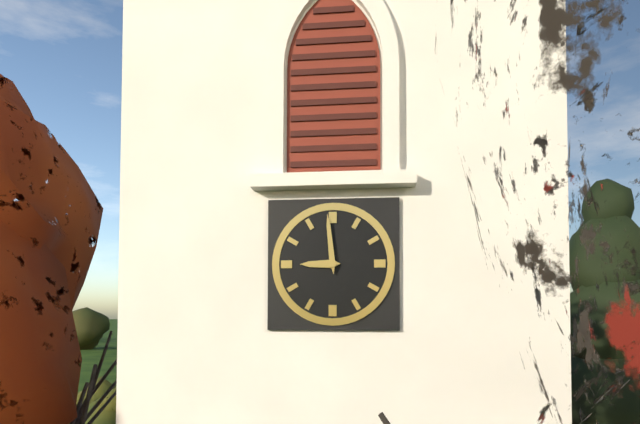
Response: 8:59
